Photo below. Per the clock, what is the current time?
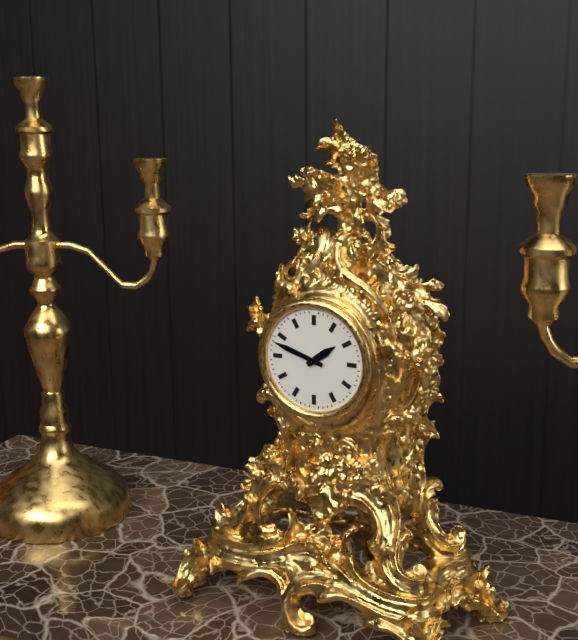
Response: 1:48
